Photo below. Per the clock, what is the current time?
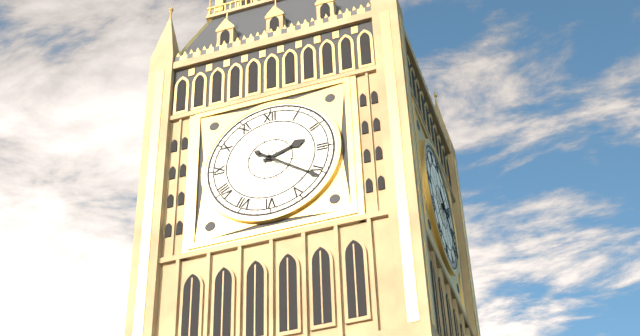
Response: 2:21
